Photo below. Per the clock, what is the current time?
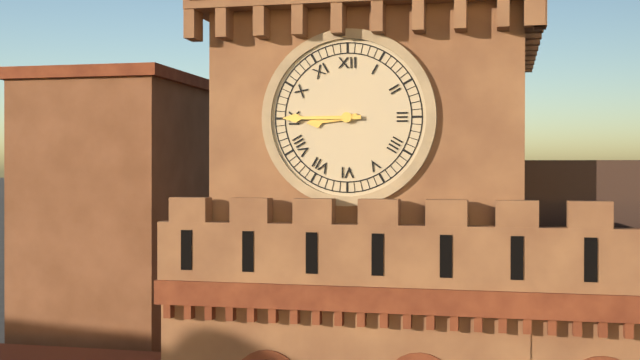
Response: 8:45
